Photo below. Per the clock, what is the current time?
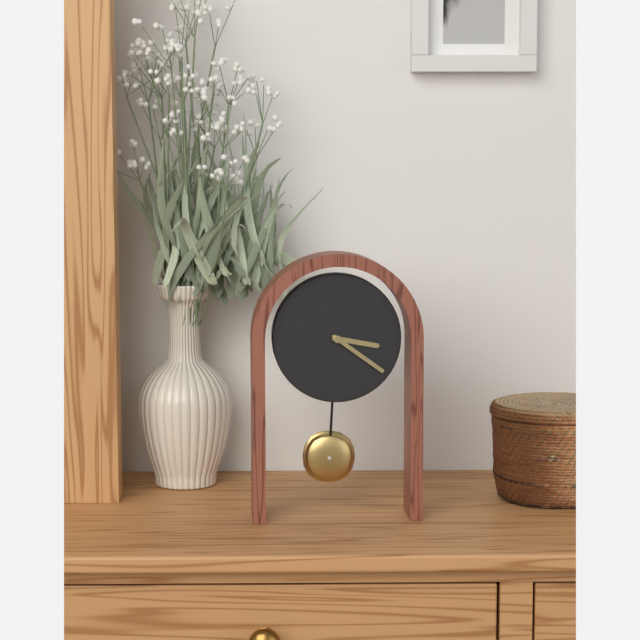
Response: 3:21
